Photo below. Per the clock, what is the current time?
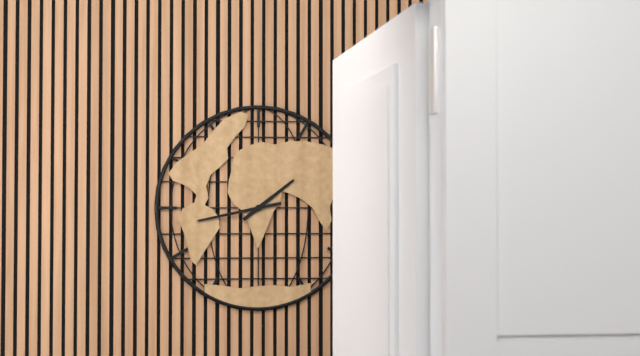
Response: 1:43
